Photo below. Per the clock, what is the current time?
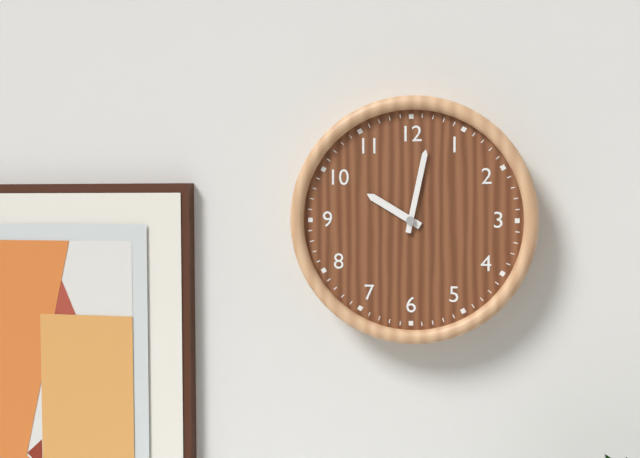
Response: 10:02
